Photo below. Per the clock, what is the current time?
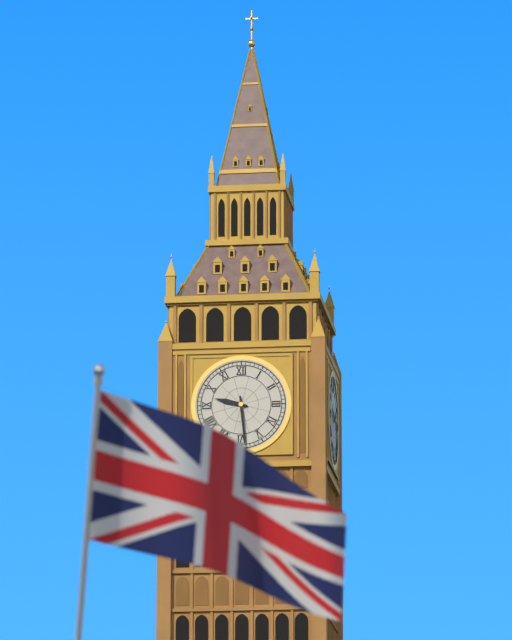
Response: 9:29
